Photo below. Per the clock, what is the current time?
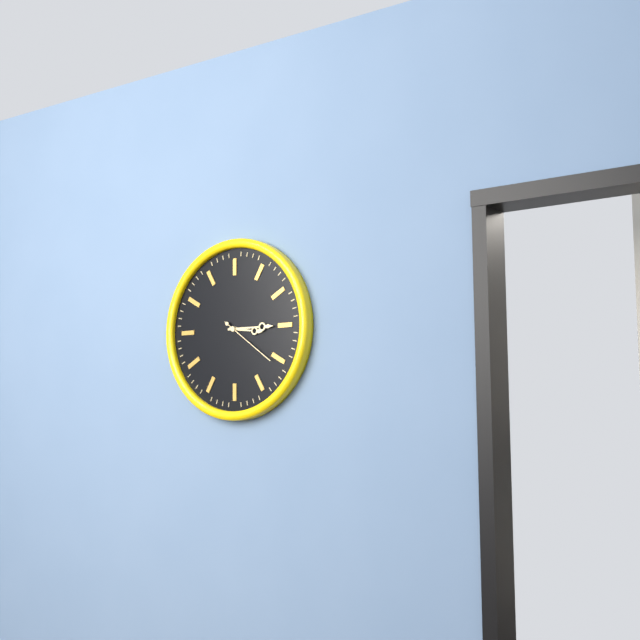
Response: 3:15:21
